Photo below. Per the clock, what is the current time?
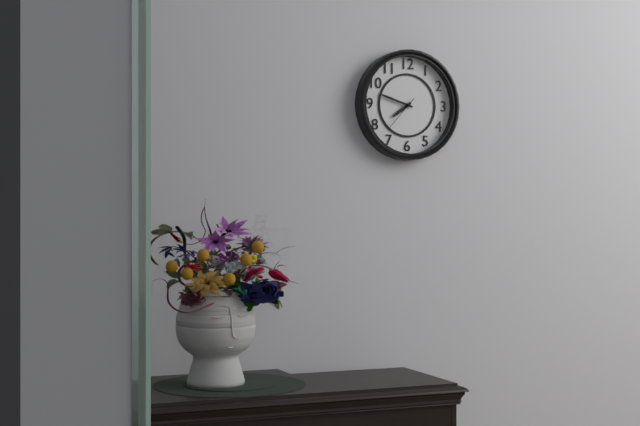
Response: 7:48
